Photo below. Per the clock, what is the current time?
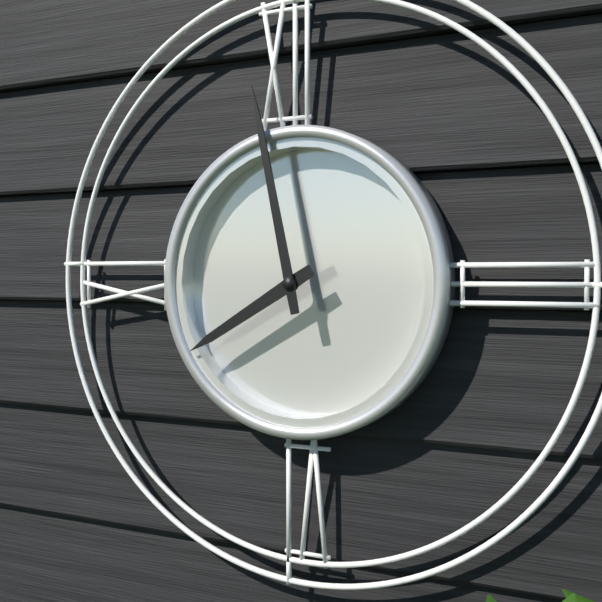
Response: 7:58
